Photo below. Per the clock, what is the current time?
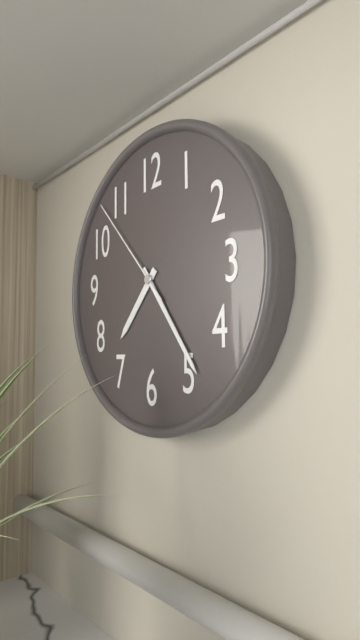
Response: 7:24:53
